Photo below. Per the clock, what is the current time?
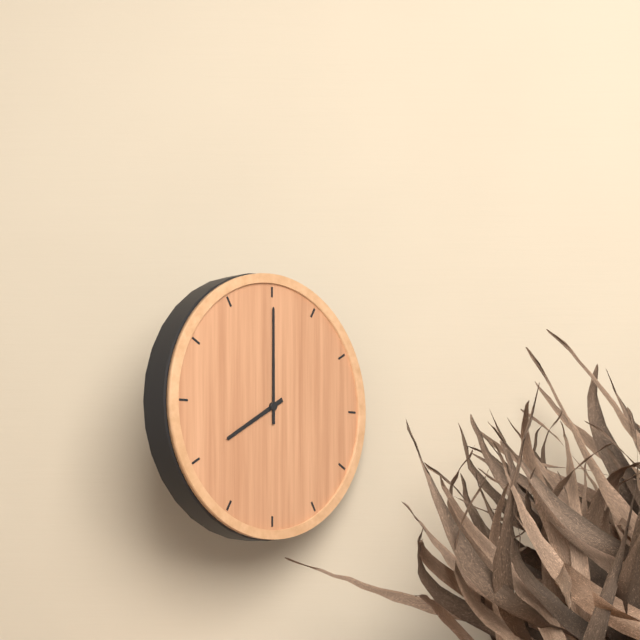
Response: 8:00
